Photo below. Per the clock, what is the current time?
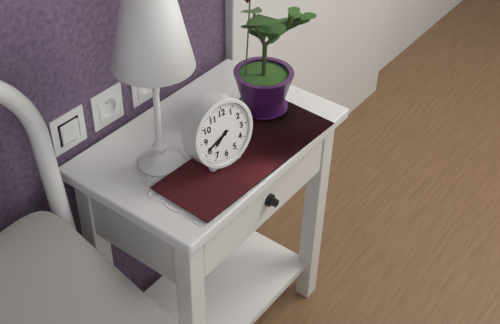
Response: 7:41
